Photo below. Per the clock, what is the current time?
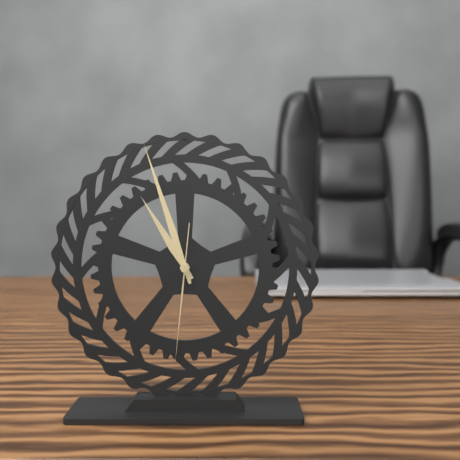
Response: 10:57:31
